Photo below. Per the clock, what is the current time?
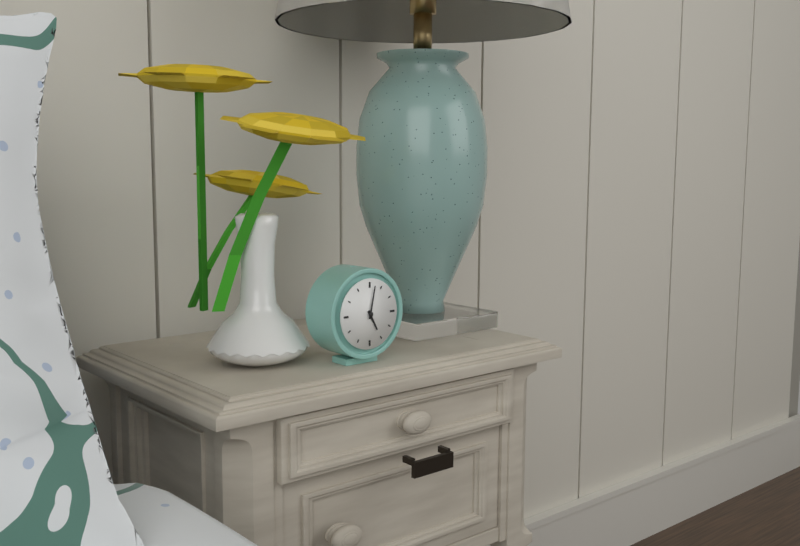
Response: 5:02
